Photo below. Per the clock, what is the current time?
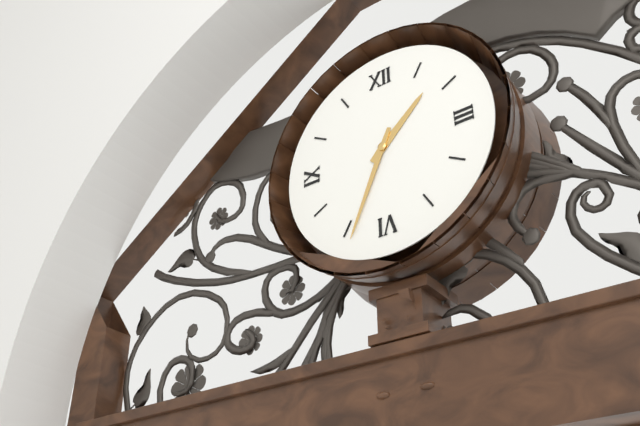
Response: 1:34
